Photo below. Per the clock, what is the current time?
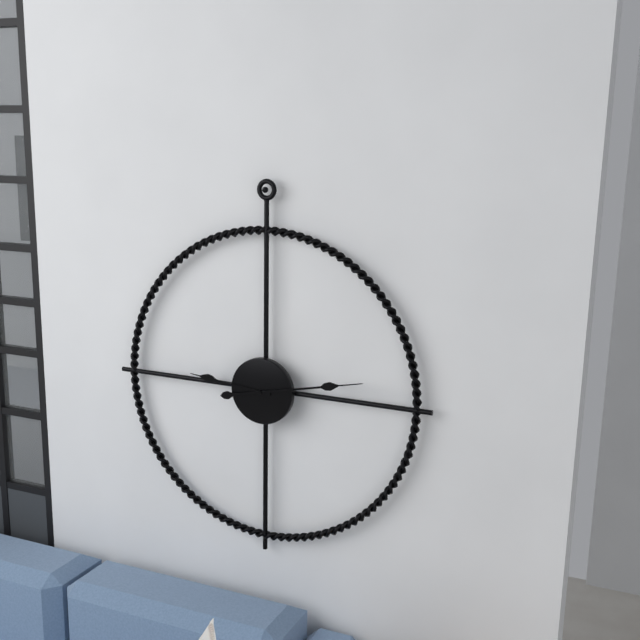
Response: 9:13
